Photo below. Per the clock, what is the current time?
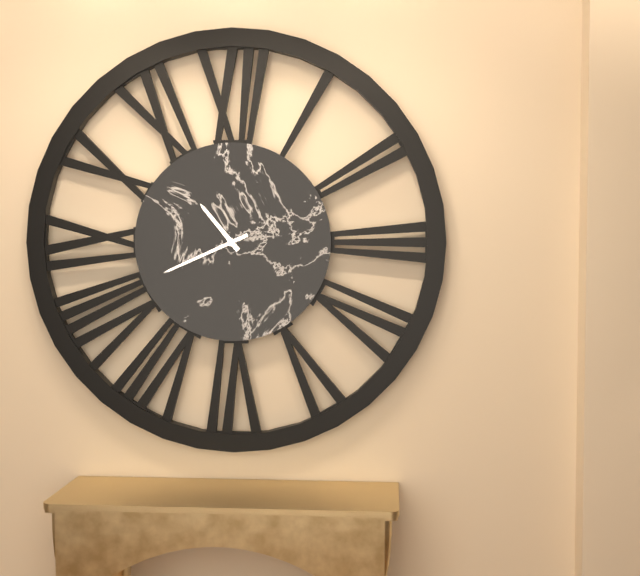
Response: 10:41
